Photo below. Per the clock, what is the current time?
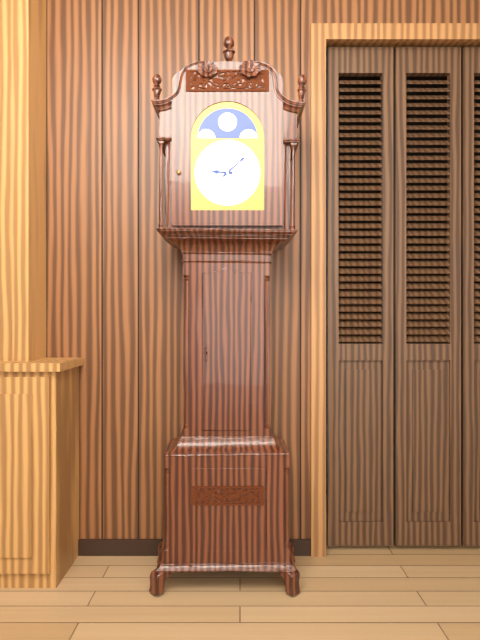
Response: 9:08
